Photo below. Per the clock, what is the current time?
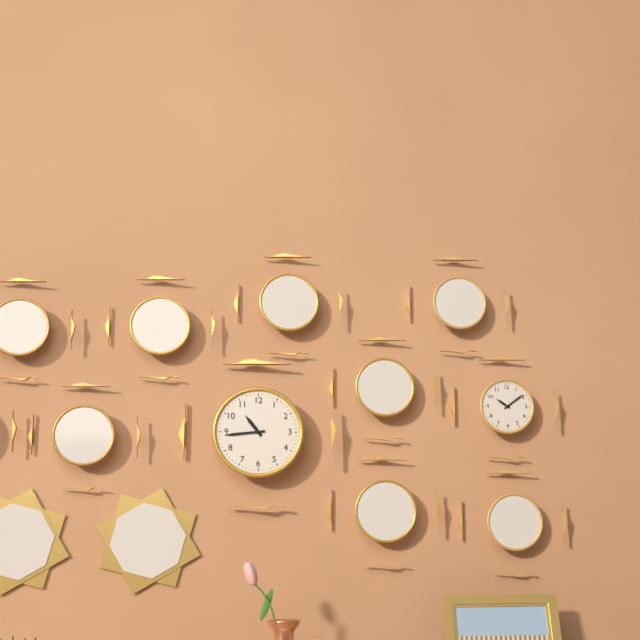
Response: 10:44
